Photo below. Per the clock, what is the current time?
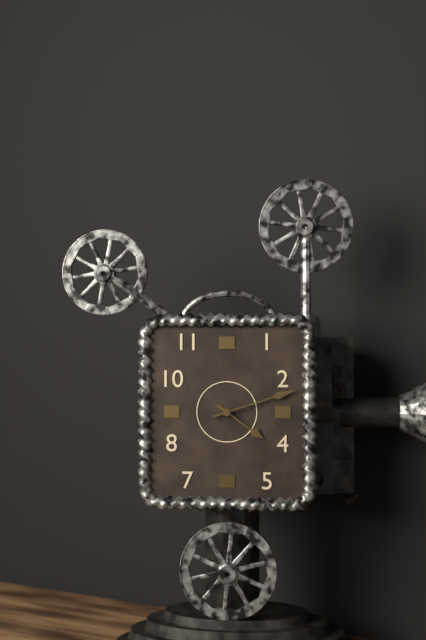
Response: 4:12
